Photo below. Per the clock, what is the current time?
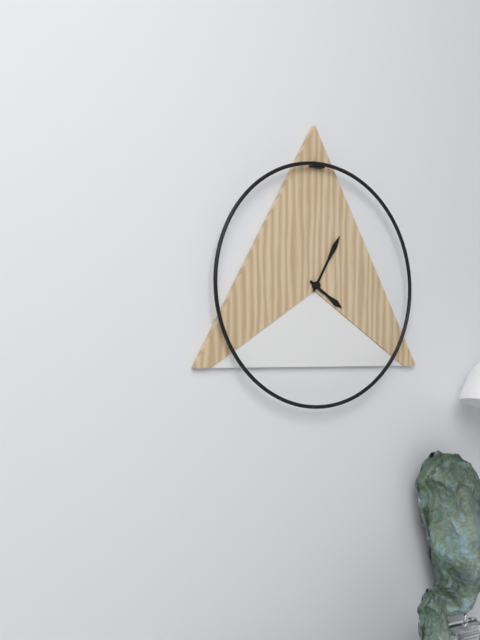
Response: 4:05
